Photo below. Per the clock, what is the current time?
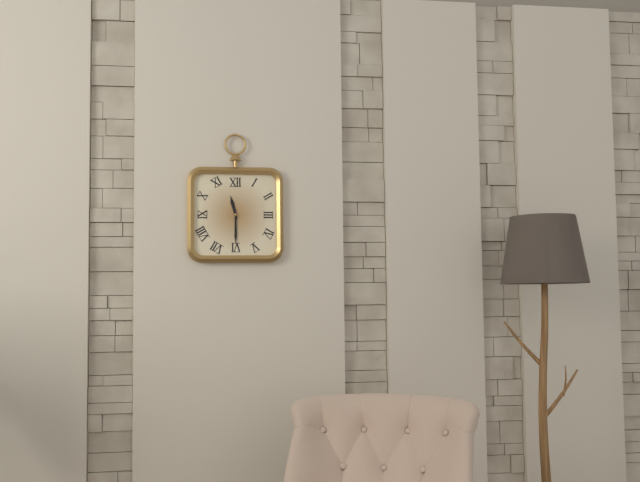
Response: 11:30
